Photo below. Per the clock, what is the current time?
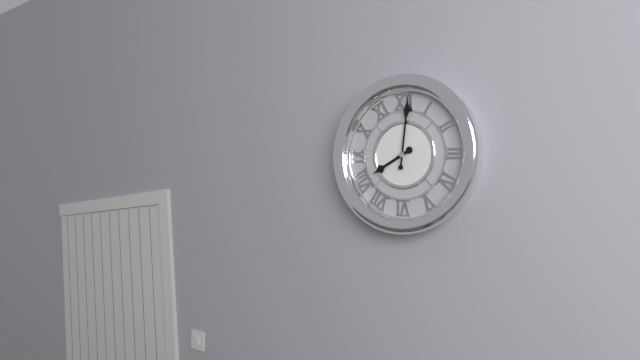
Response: 8:01
